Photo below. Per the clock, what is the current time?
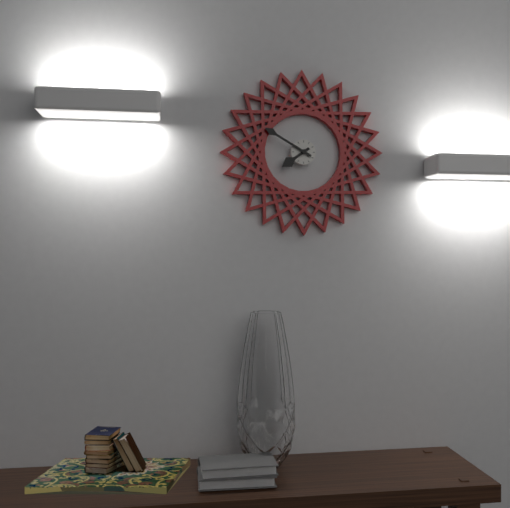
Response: 7:50
